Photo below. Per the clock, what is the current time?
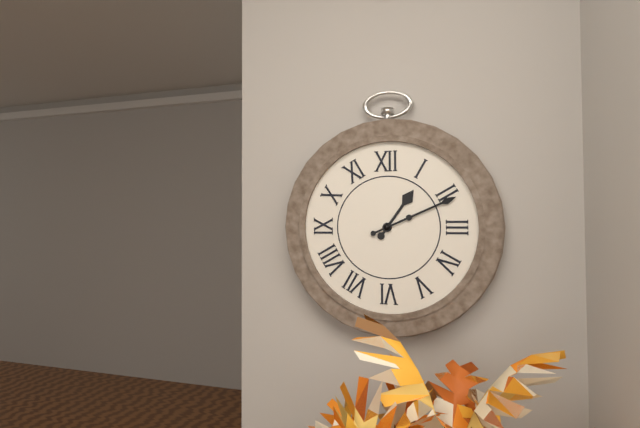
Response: 1:11
